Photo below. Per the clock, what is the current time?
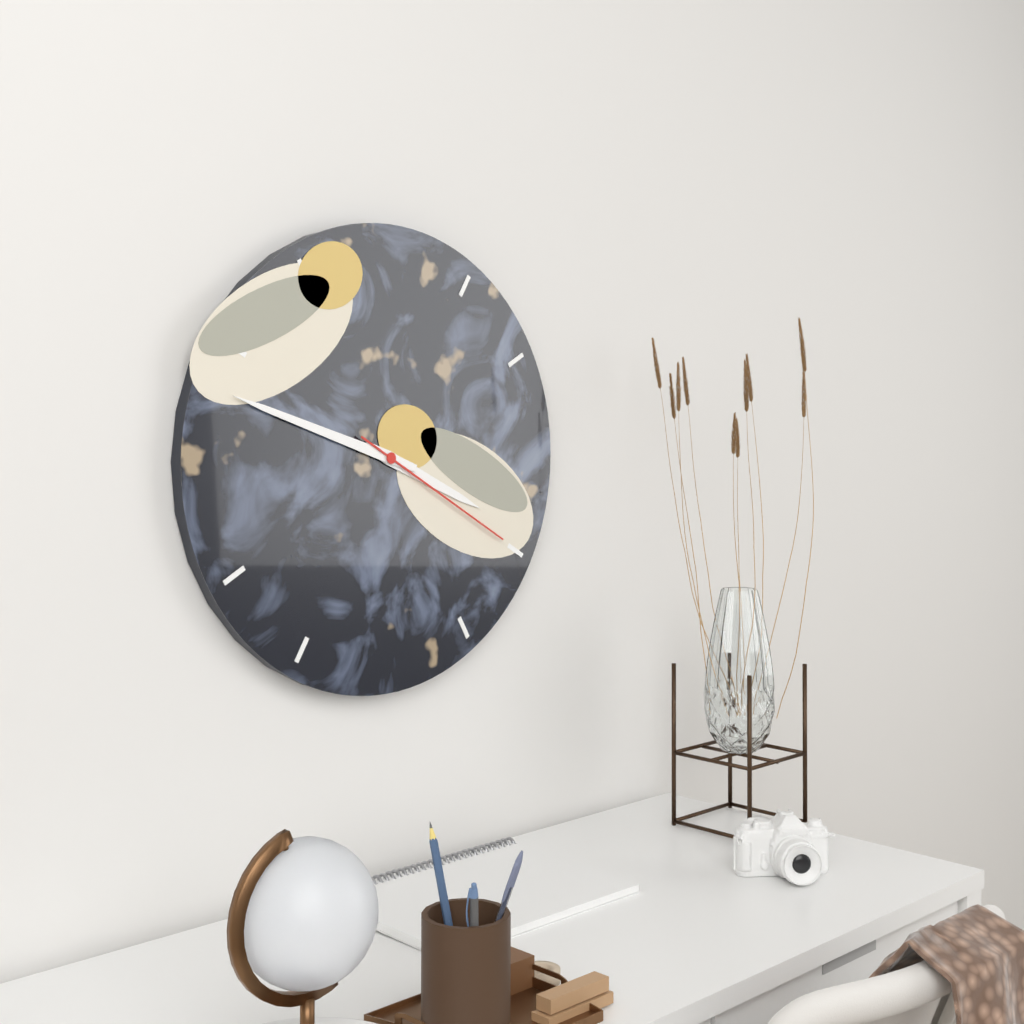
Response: 3:48:20
